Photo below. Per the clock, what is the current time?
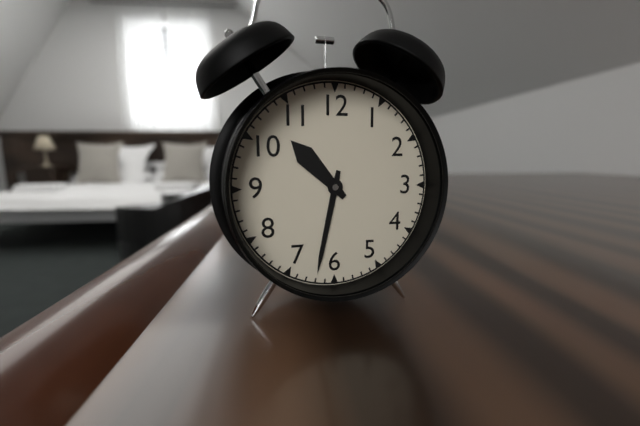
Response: 10:32
